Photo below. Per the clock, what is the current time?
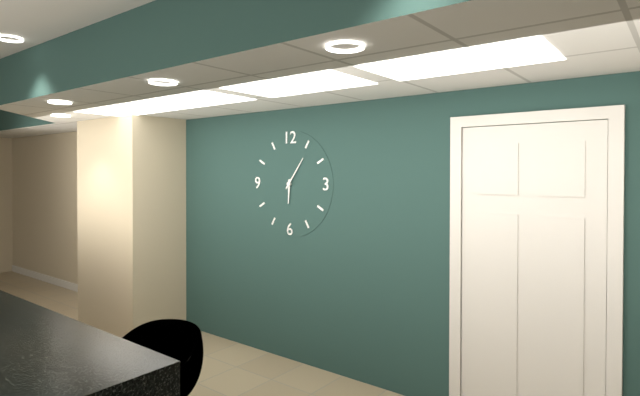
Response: 6:06
